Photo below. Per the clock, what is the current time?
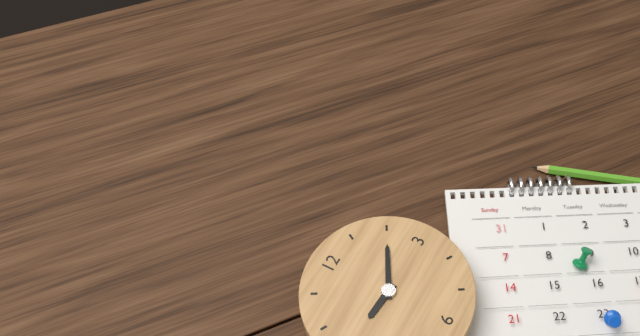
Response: 9:10
